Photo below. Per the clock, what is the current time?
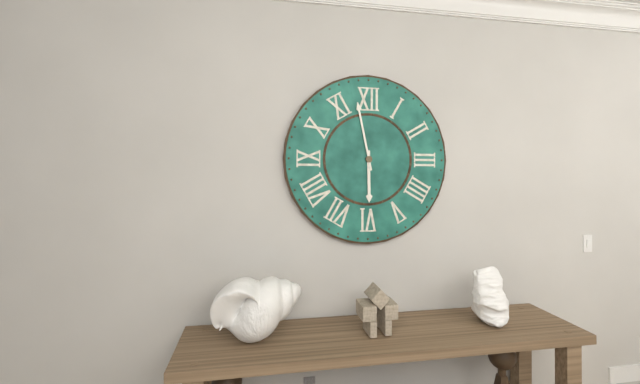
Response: 5:58
